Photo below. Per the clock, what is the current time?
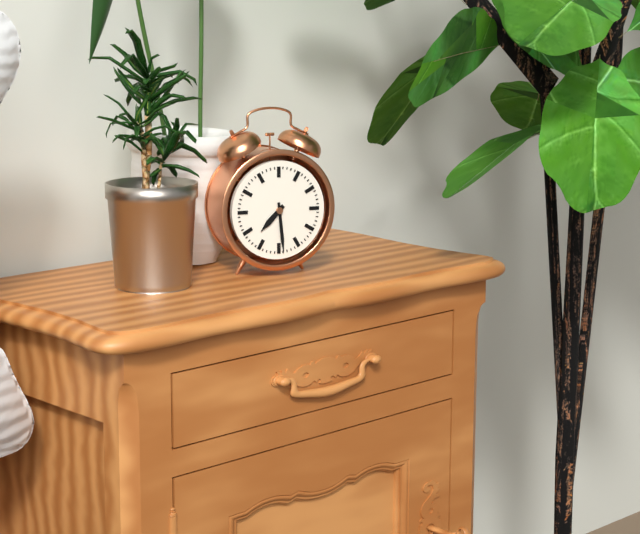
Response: 7:29
